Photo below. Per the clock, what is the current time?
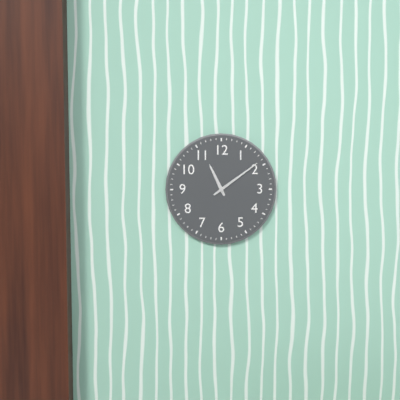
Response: 11:09
